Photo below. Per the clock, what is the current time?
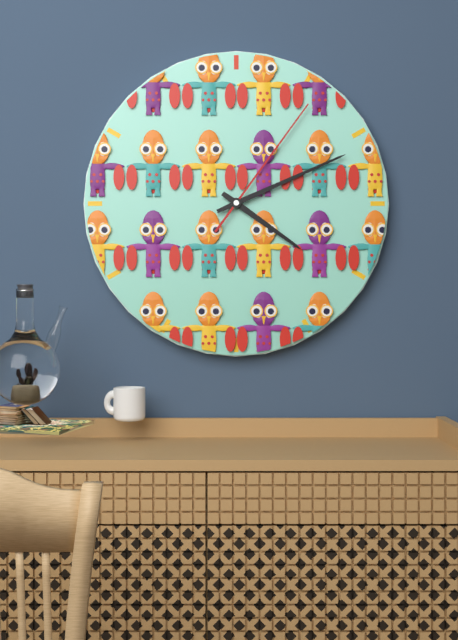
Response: 4:11:06
